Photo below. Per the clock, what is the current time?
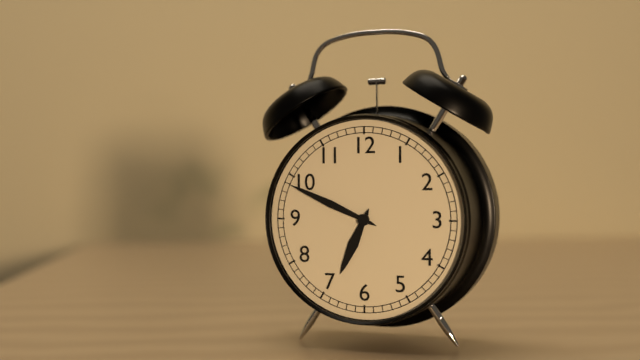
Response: 6:49
